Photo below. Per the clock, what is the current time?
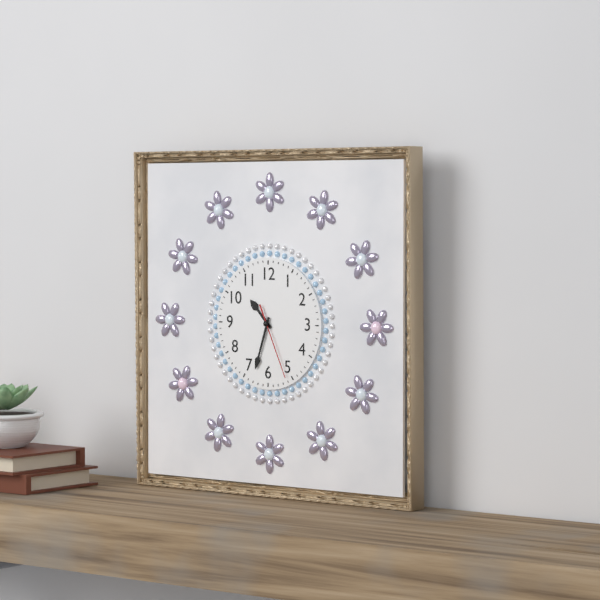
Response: 10:33:26
